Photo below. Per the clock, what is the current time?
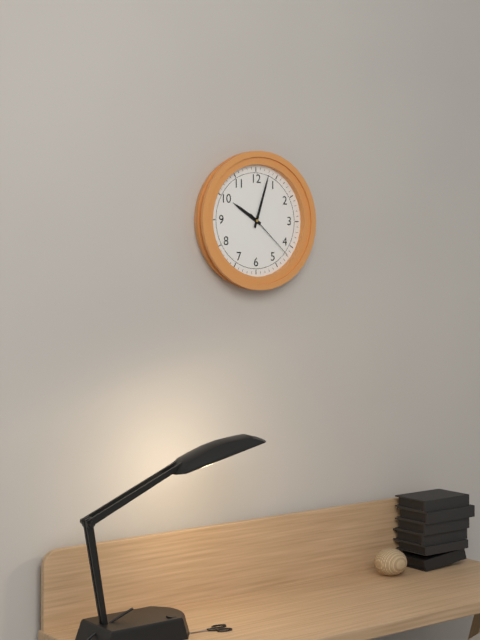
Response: 10:03:22
